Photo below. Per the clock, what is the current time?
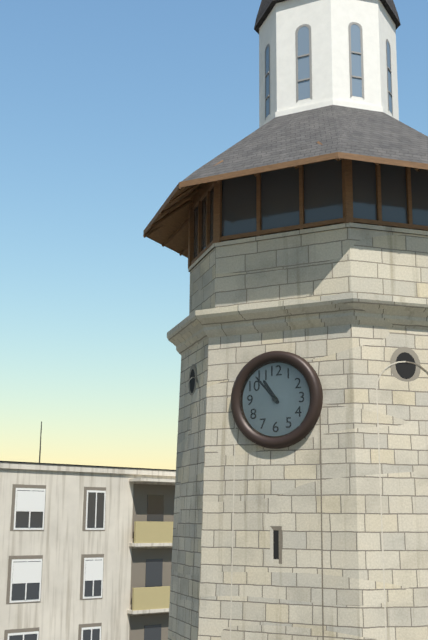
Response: 10:53
